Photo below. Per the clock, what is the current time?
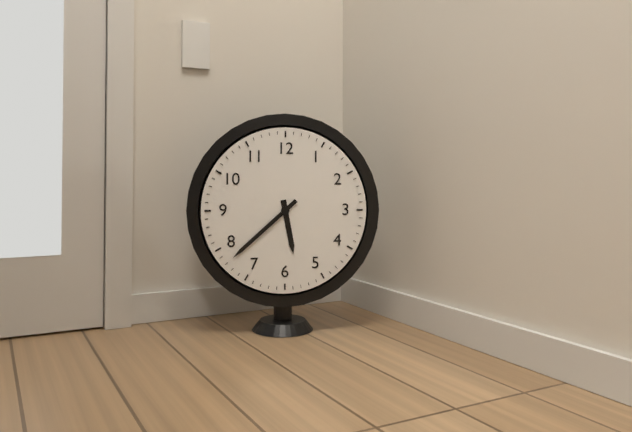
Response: 5:38
